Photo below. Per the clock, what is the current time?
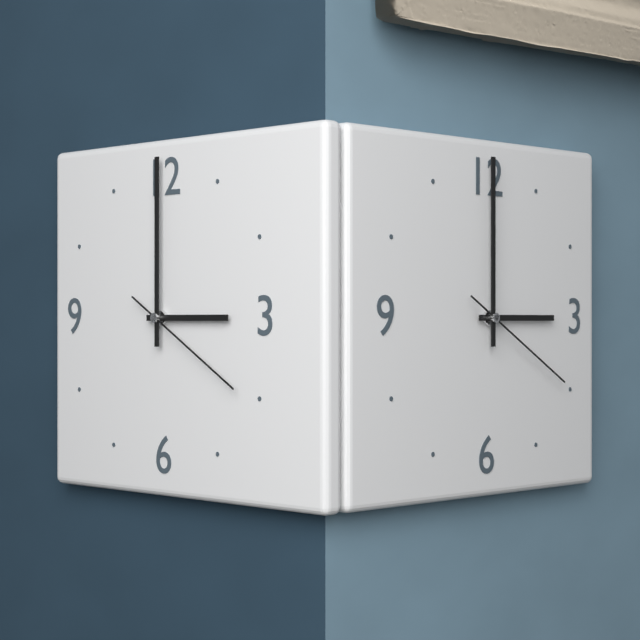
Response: 3:00:20
